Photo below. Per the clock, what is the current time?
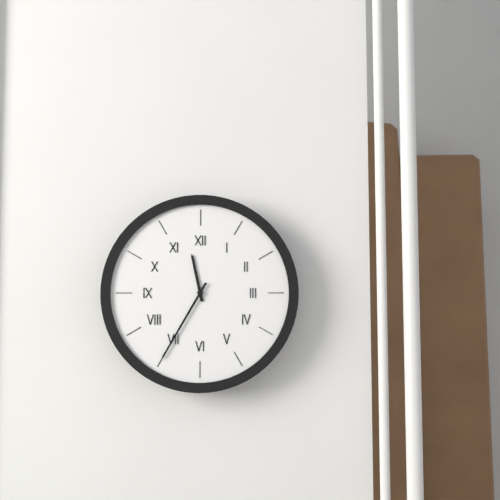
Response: 11:35
